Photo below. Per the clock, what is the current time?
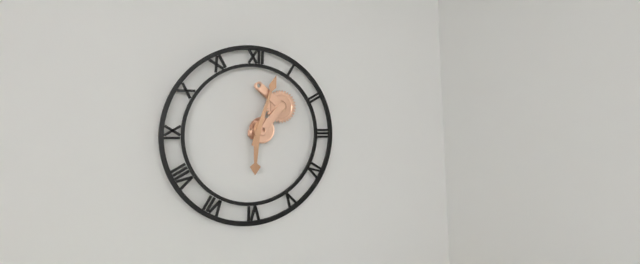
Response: 6:03
